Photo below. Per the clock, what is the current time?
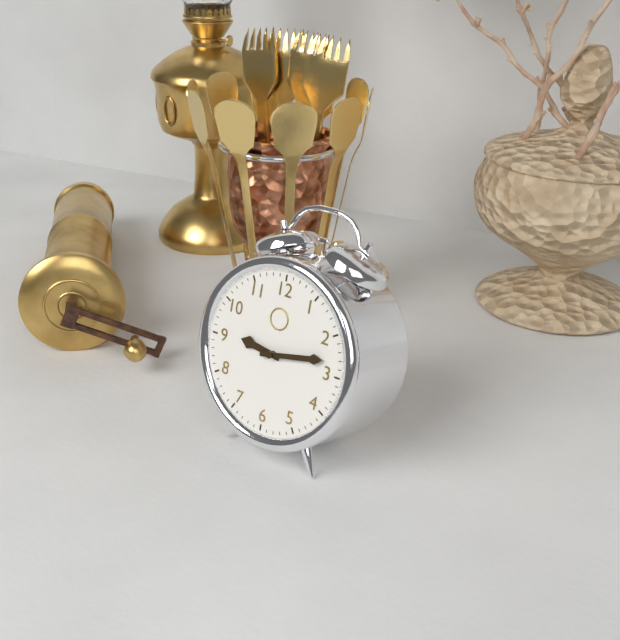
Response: 9:13
